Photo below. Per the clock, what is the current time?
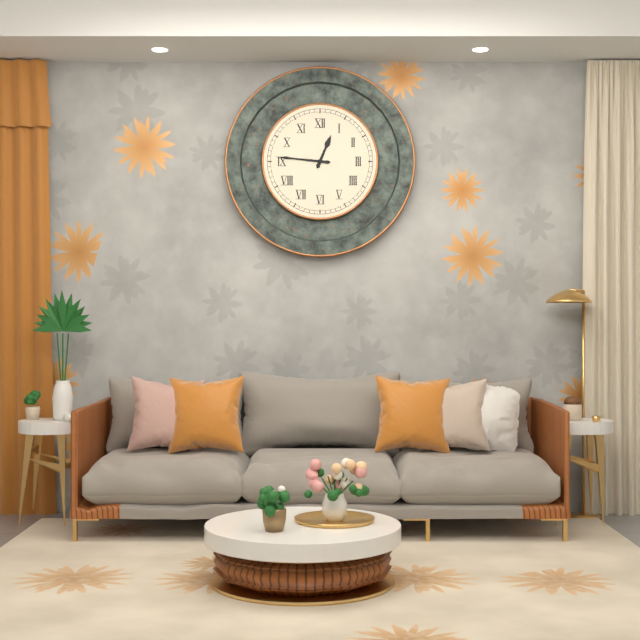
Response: 12:46
